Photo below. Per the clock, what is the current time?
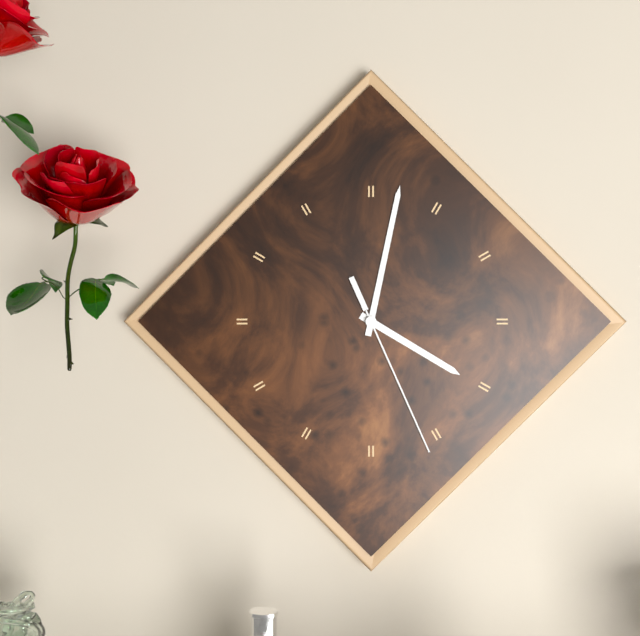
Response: 4:02:26
